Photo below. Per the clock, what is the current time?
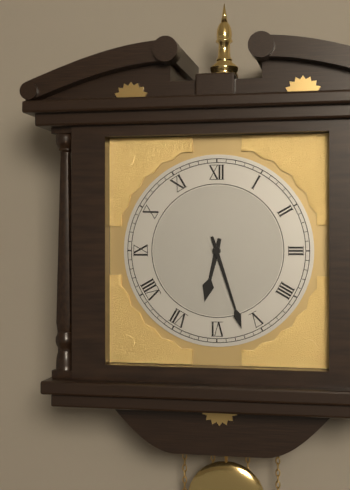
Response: 6:27
